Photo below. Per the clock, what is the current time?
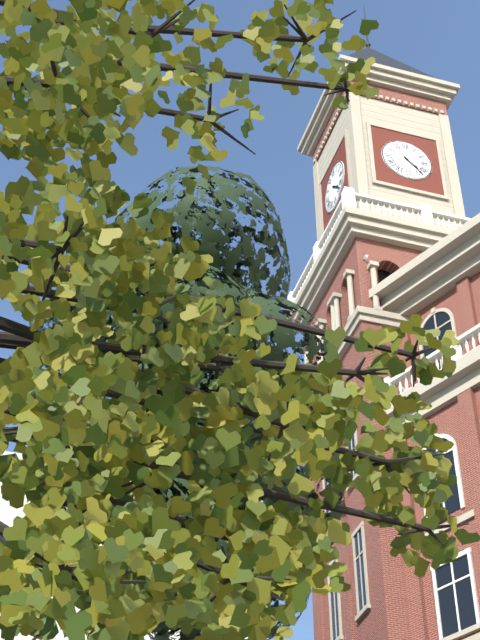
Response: 4:23
